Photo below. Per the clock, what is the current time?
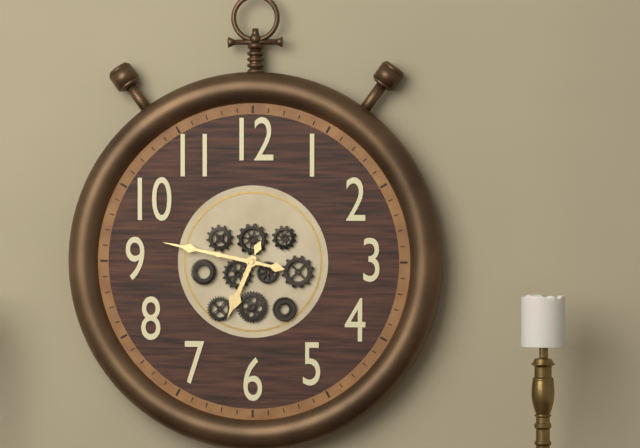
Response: 6:47
